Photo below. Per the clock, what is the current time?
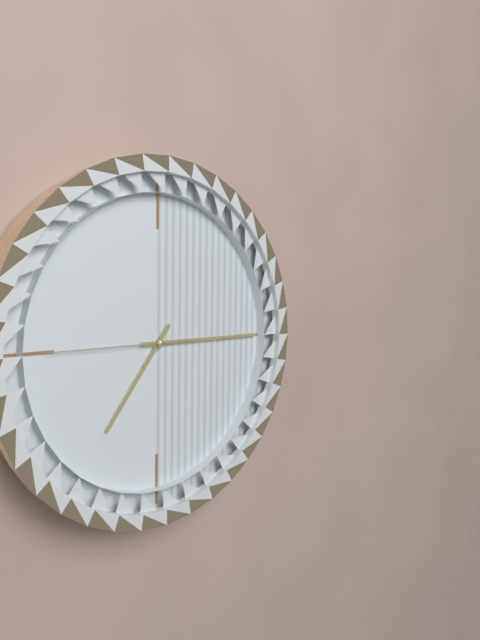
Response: 7:15:45
